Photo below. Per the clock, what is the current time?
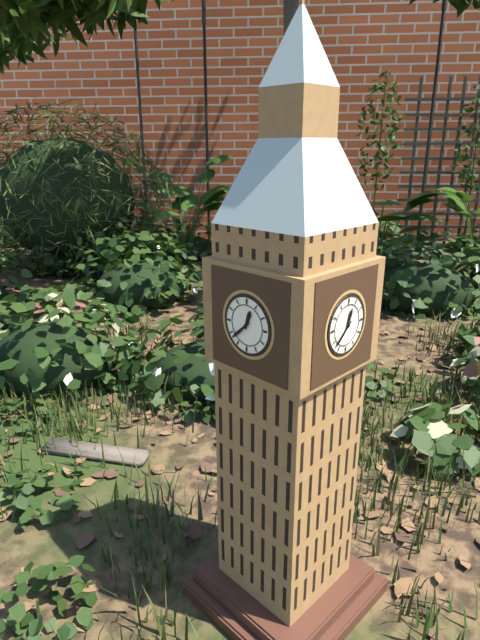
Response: 12:38
